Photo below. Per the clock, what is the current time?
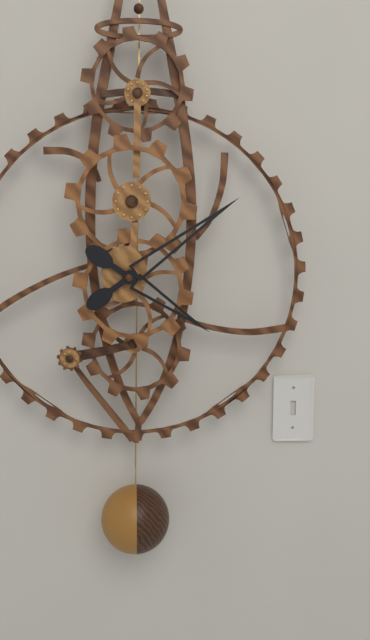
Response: 4:09
